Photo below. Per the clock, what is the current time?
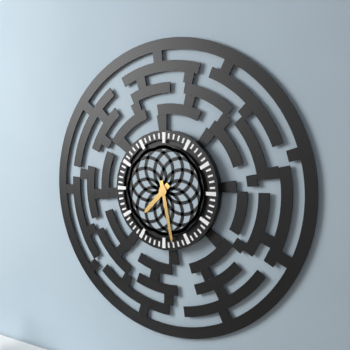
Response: 7:28
